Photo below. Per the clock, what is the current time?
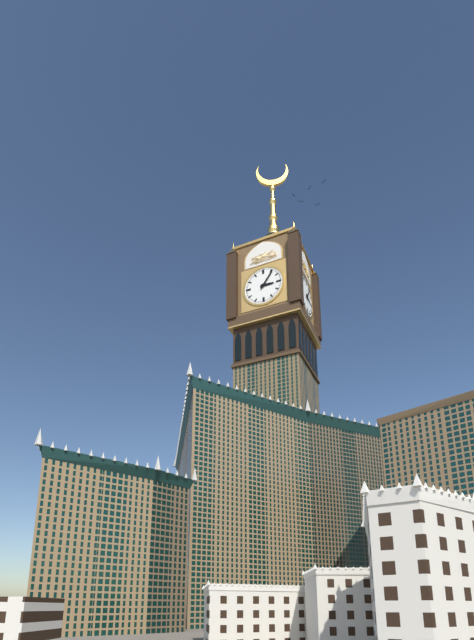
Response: 3:06
